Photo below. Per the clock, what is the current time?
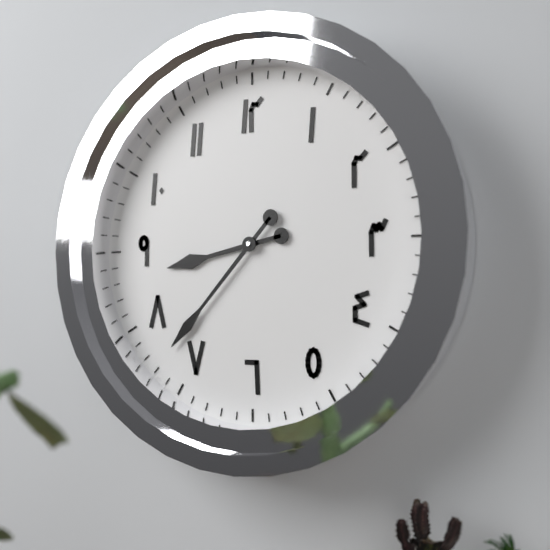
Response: 8:37
